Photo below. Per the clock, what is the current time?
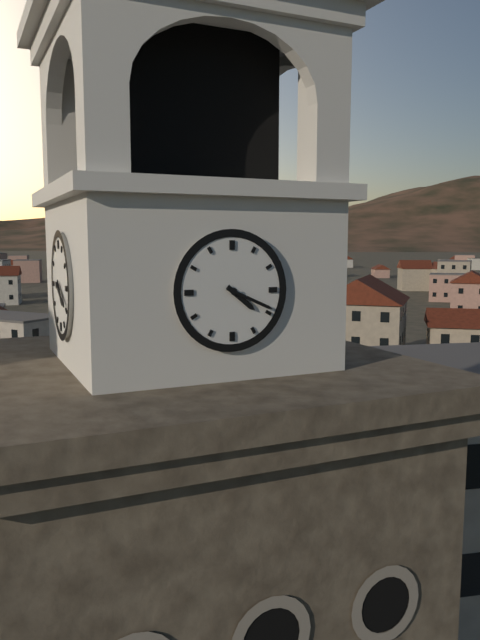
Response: 4:19
